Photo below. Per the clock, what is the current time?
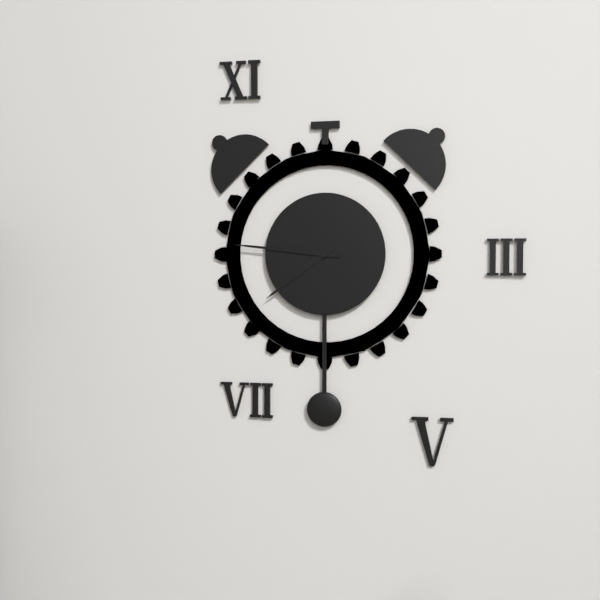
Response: 7:46
